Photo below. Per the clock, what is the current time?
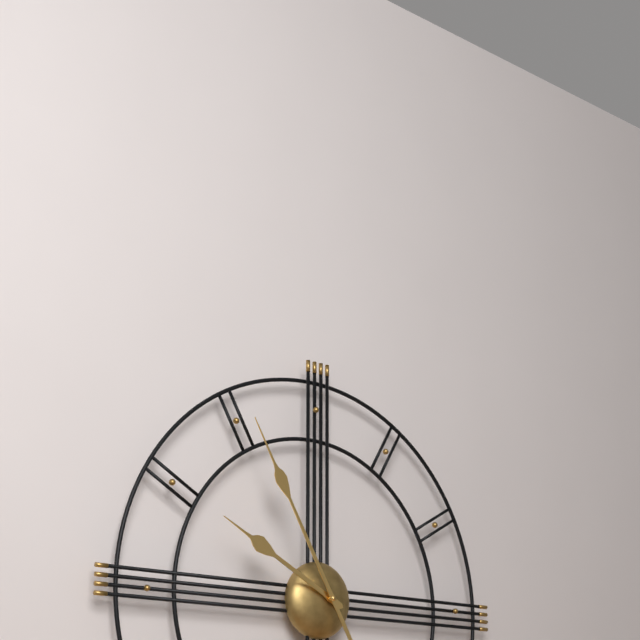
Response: 9:55
